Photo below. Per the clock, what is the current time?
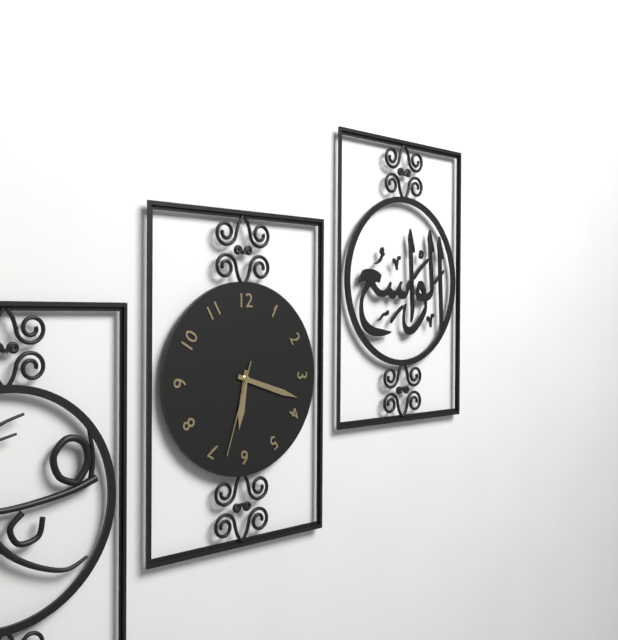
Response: 6:18:33
